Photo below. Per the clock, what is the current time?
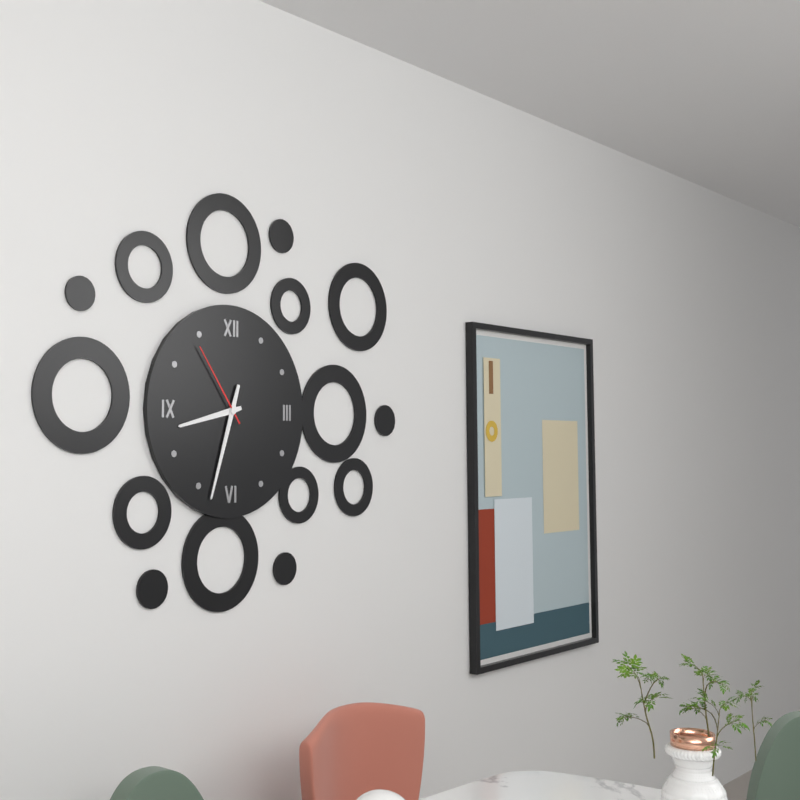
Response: 8:33:54
